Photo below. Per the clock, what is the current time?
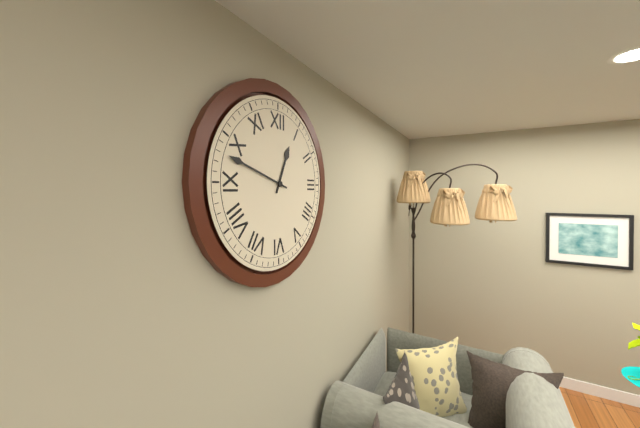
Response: 12:48
